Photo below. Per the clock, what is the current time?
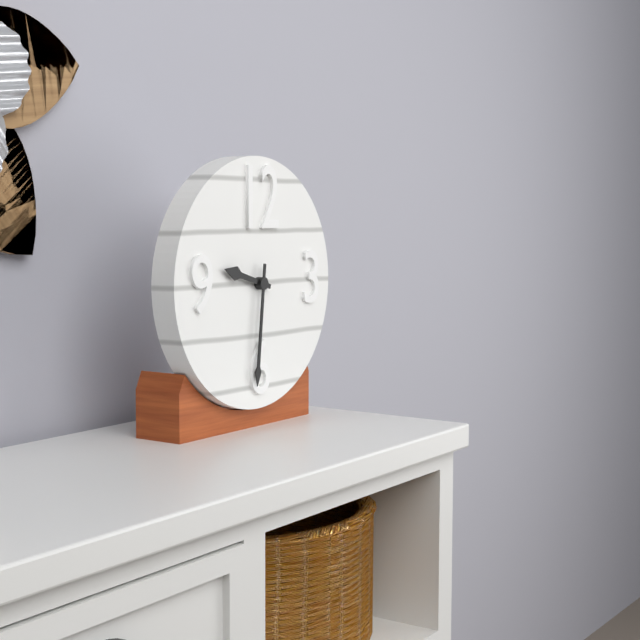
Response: 9:31
